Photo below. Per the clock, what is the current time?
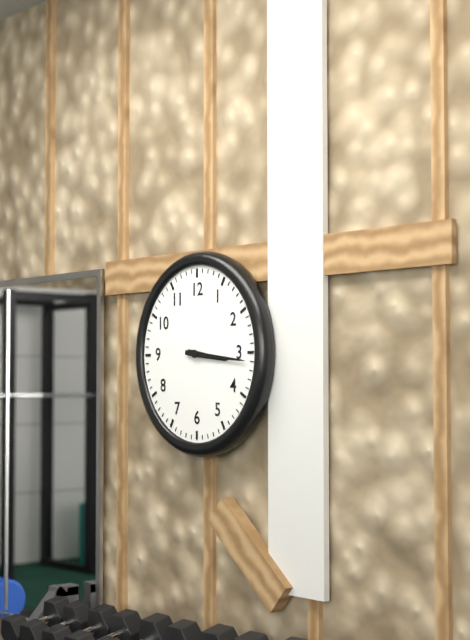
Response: 3:16
